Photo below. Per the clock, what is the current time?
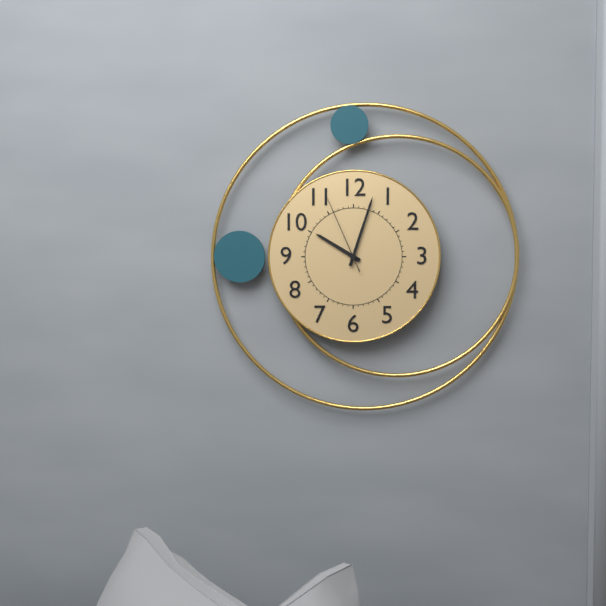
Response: 10:03:56
